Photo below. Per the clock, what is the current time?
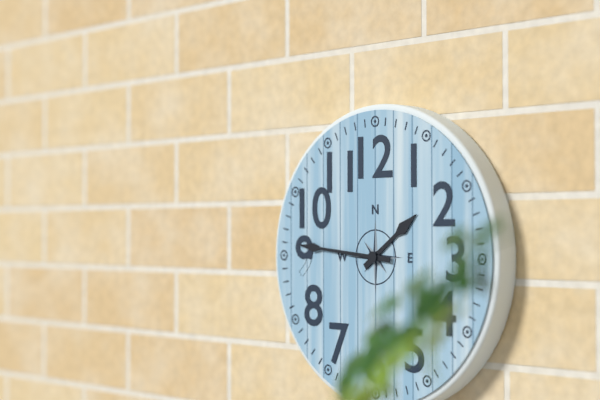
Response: 1:46
